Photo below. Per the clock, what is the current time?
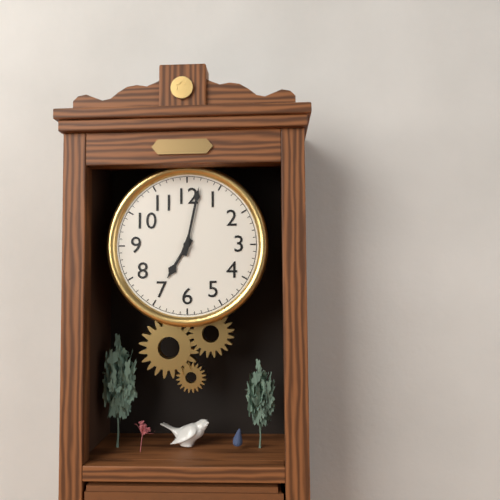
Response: 7:02
